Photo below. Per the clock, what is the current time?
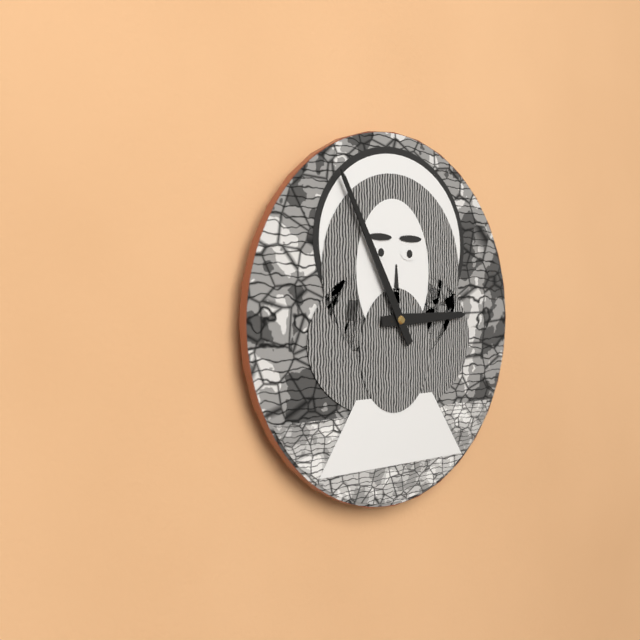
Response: 2:55
